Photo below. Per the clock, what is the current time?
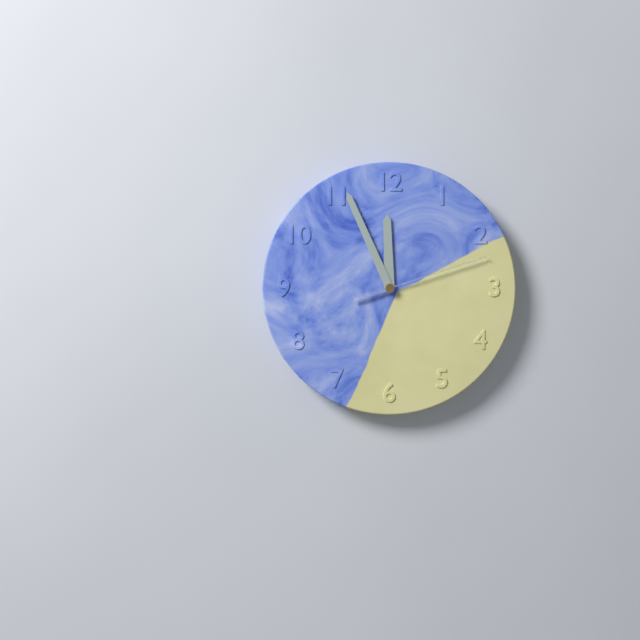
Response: 11:56:12
